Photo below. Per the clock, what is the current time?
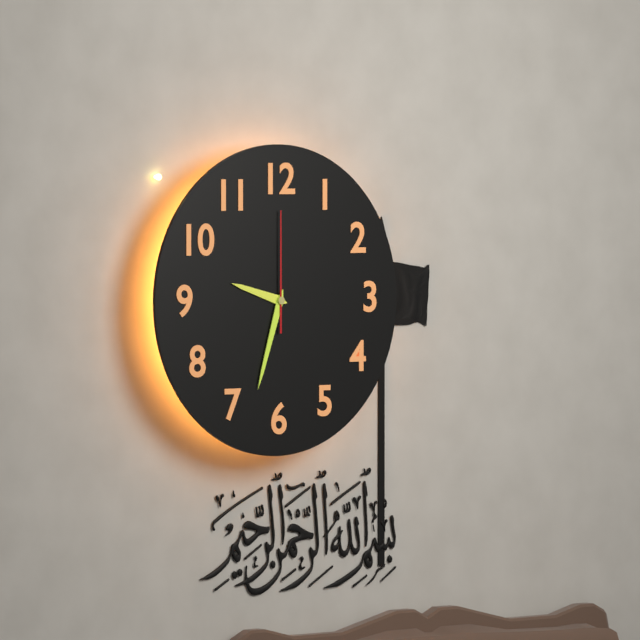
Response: 9:33:00
